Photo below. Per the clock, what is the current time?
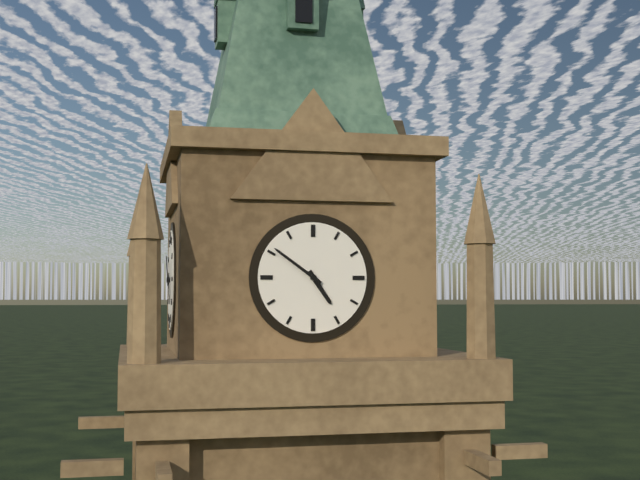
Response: 4:51
